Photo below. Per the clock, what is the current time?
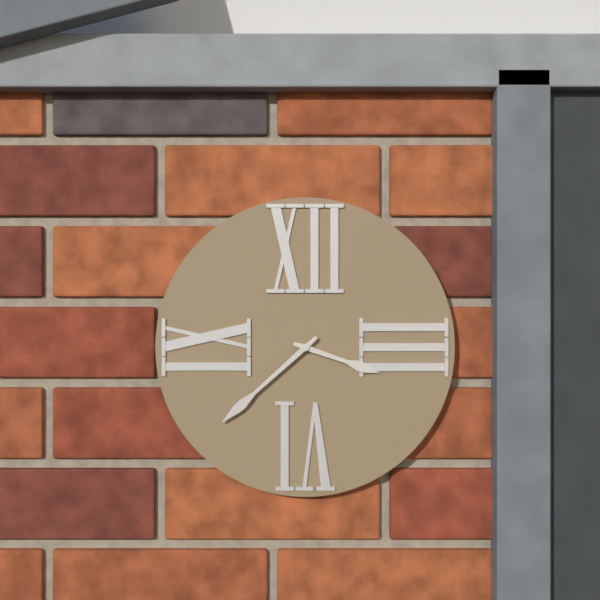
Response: 3:38
